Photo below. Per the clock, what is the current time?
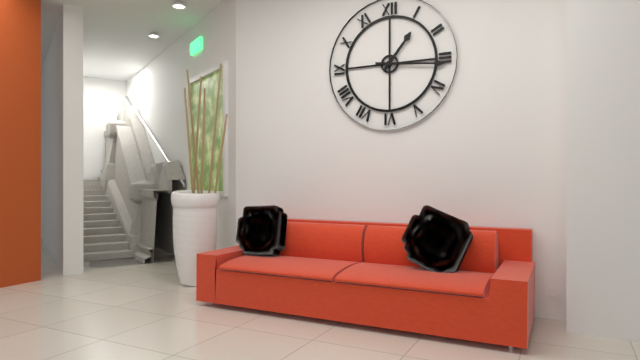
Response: 1:16
